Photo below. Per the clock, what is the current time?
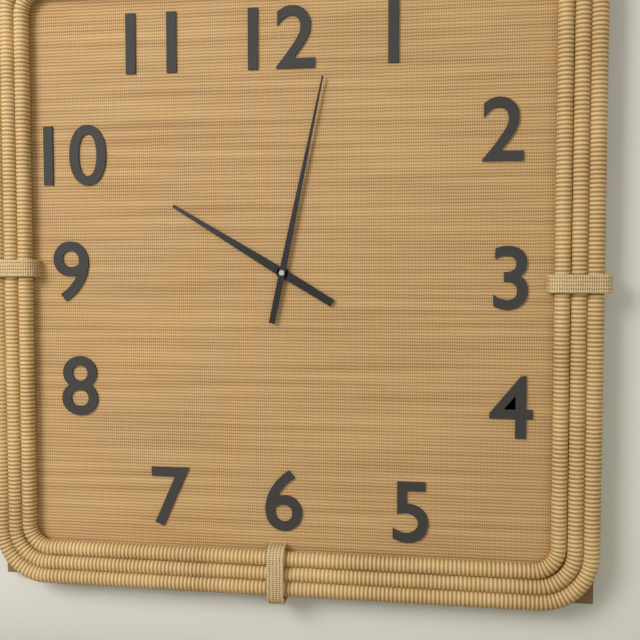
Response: 10:02
